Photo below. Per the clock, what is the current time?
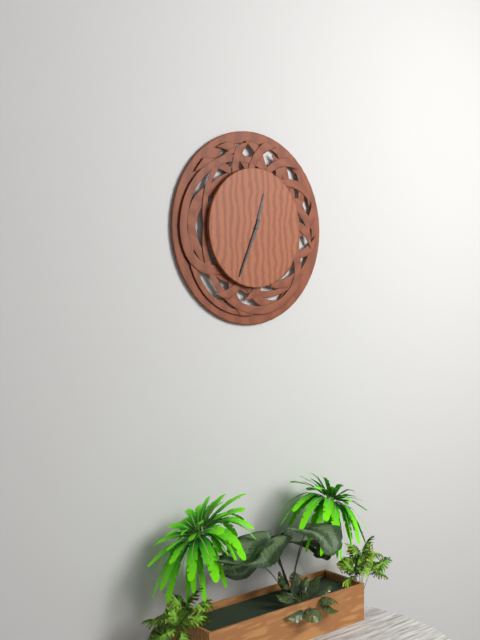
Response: 12:34
